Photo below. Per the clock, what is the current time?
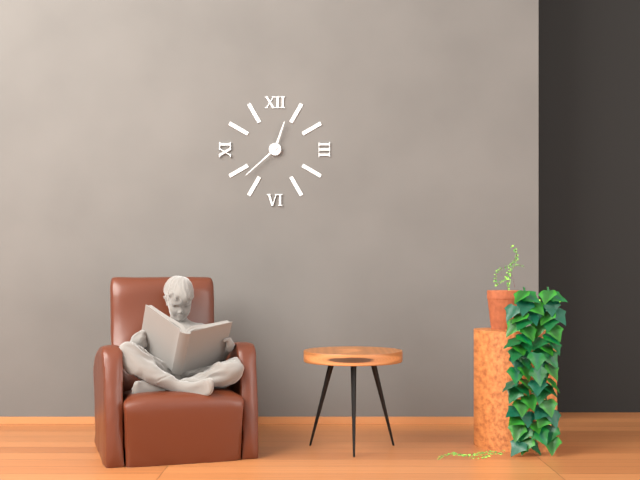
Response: 12:38
